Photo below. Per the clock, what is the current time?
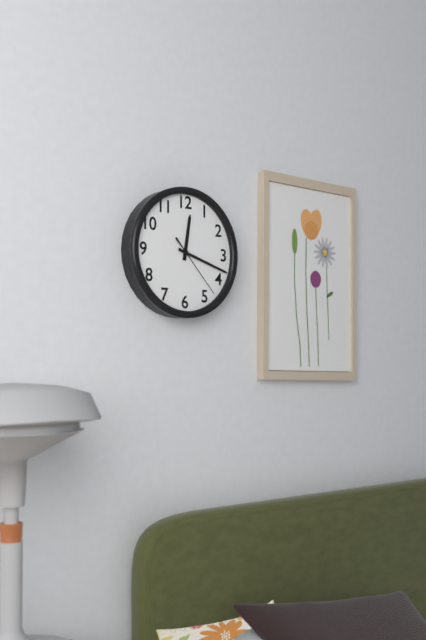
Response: 12:18:23
